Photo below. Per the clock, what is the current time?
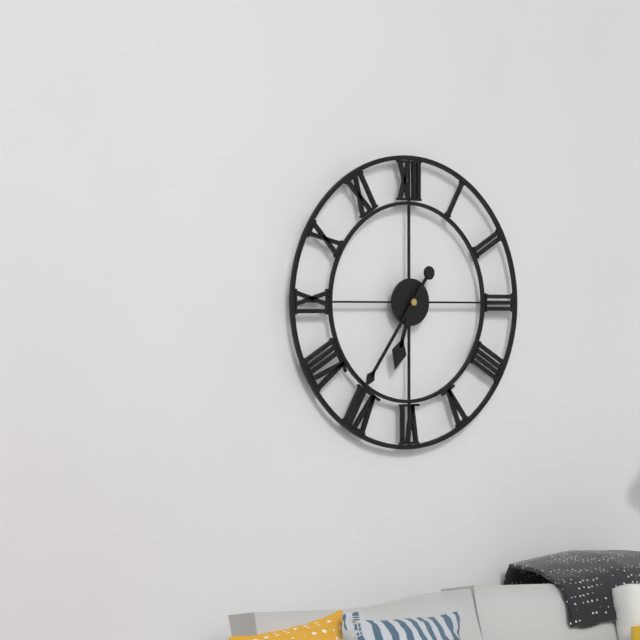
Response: 6:36
